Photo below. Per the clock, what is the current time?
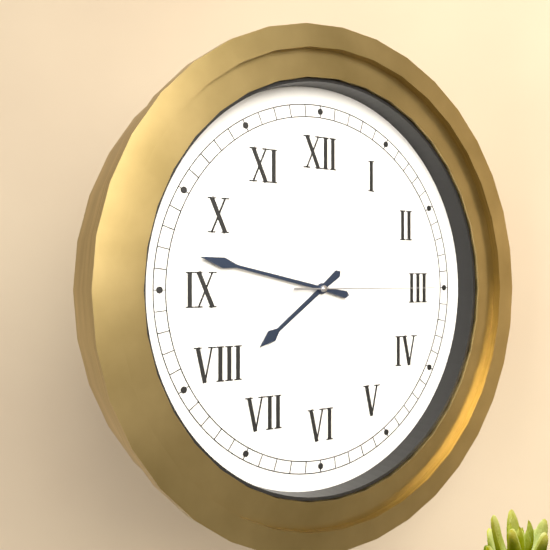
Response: 7:47:15
